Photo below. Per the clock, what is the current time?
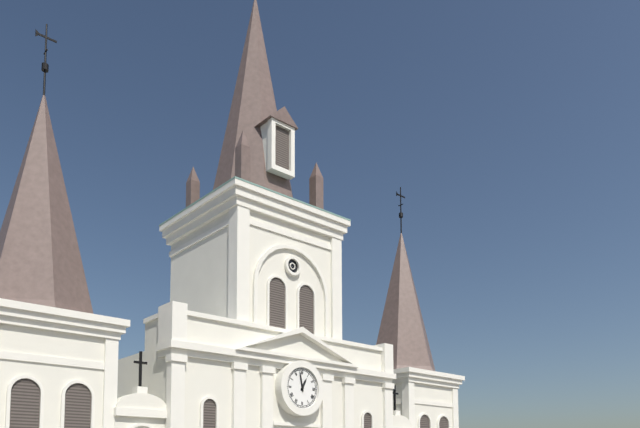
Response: 12:58
